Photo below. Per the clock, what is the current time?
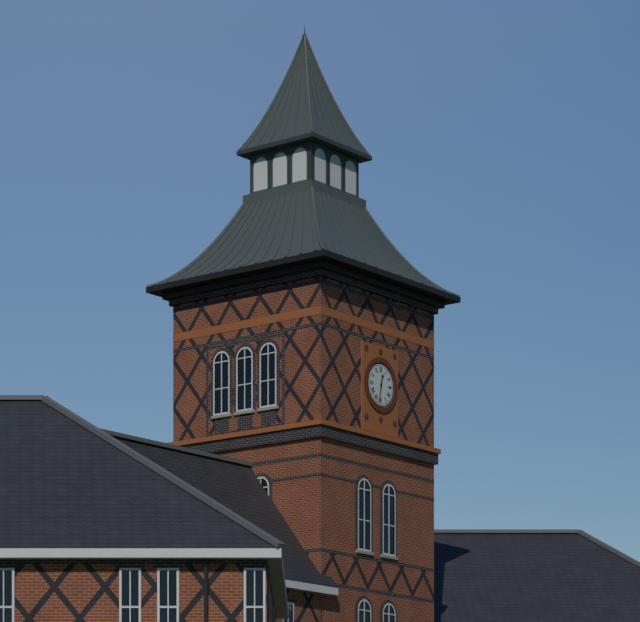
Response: 12:32
